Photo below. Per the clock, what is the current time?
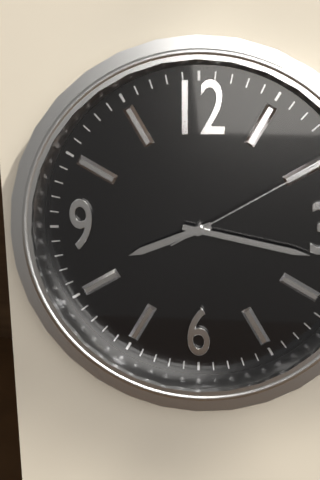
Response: 8:17:10
